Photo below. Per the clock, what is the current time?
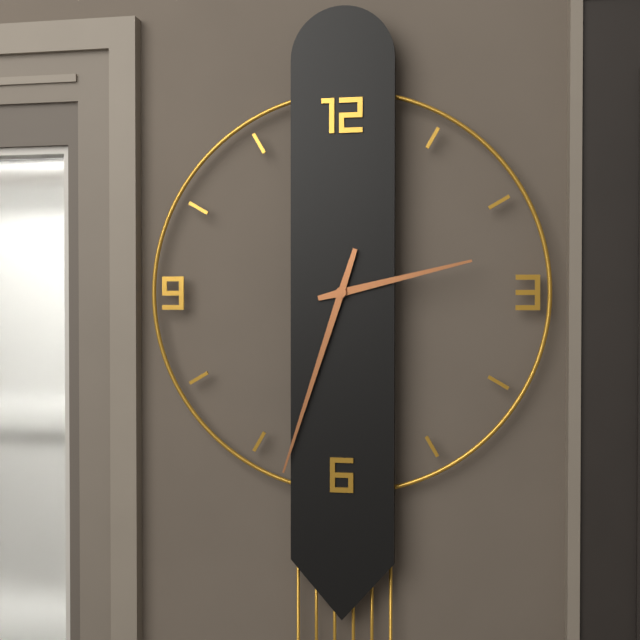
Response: 2:33
